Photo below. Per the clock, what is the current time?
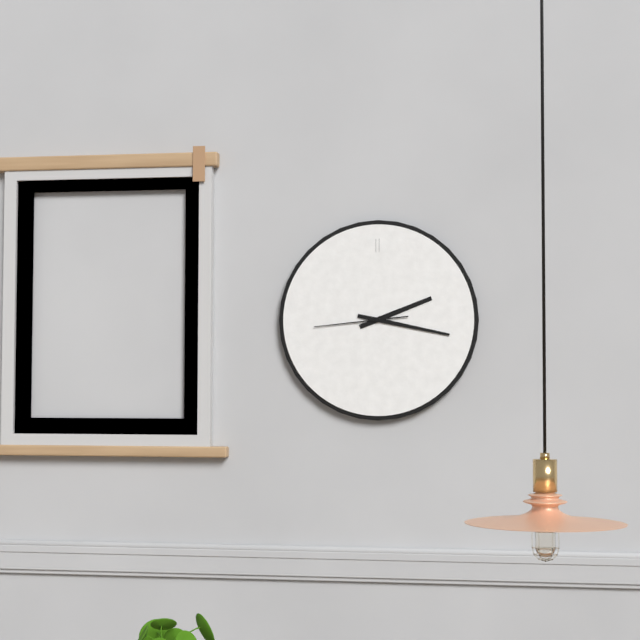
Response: 2:17:44
